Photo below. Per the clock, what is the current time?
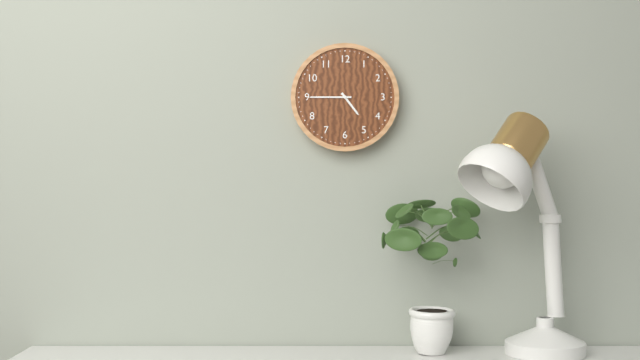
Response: 4:45
